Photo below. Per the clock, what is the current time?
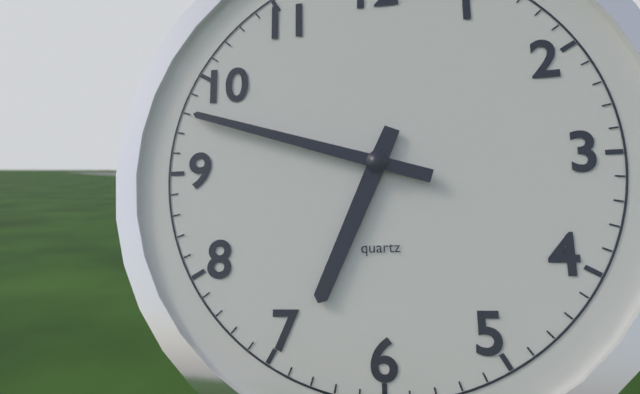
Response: 6:48
